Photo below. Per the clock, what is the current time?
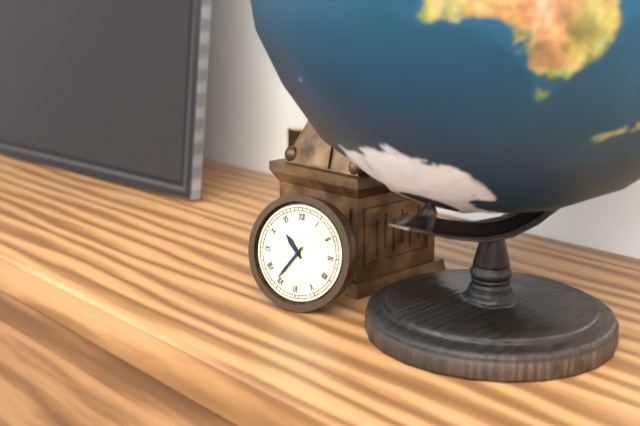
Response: 10:36
